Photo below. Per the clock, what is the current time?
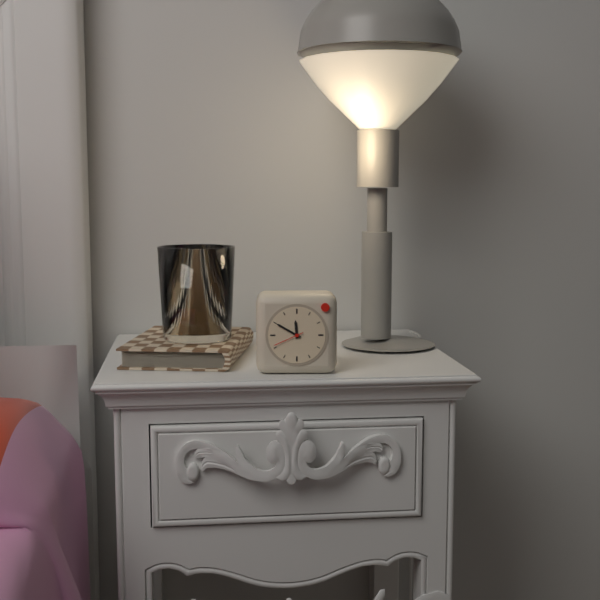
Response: 11:50
